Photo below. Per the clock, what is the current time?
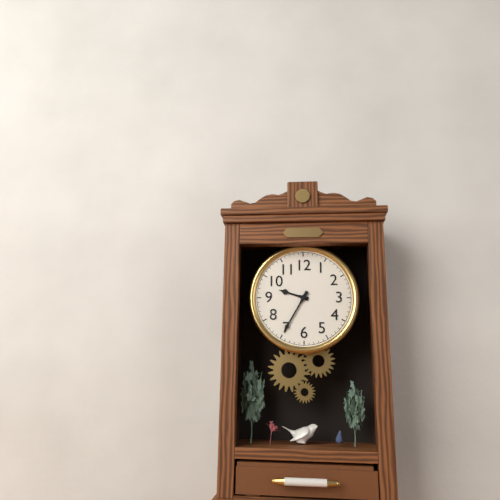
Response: 9:35
